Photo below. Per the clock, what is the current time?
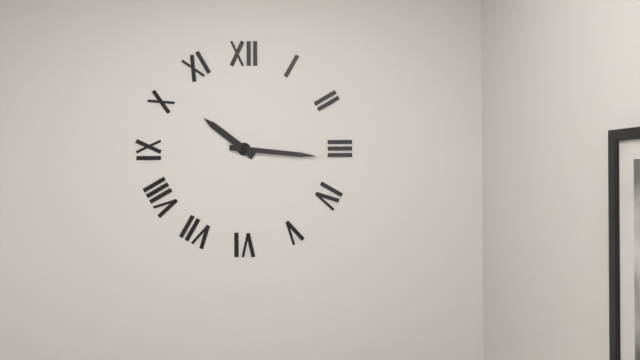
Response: 10:16
